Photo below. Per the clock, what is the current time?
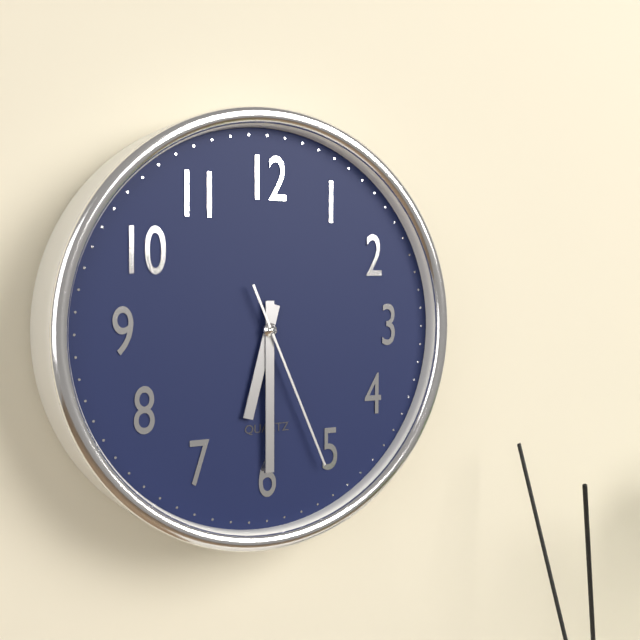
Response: 6:30:26
